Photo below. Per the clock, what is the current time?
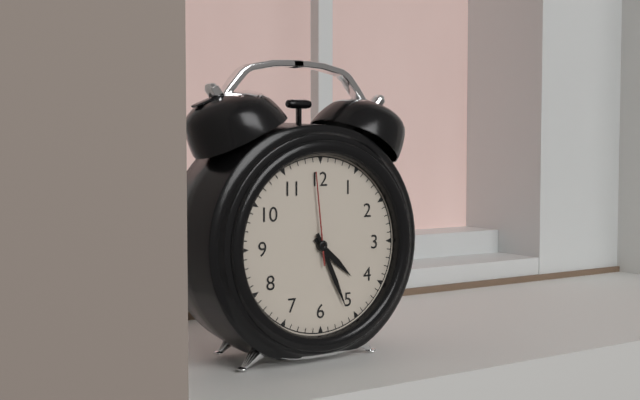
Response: 4:26:59
